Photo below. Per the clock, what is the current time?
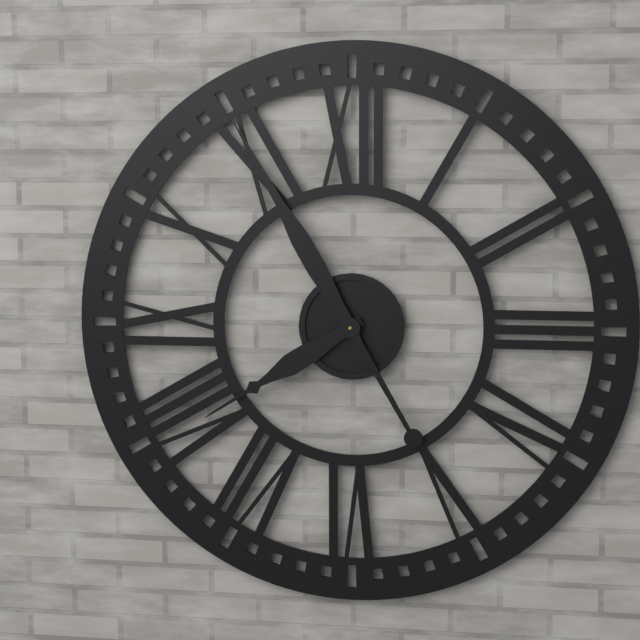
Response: 7:55
